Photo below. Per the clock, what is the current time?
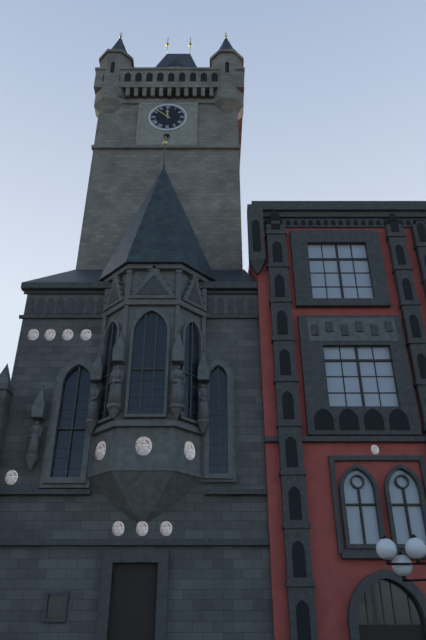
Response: 11:52
